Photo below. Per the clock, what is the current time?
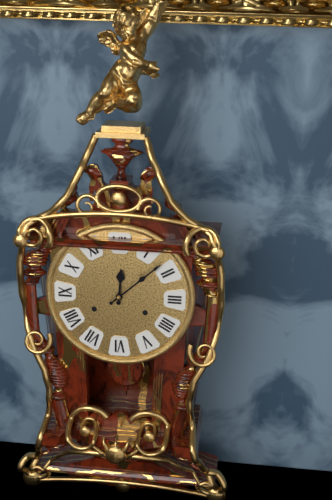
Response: 12:08
